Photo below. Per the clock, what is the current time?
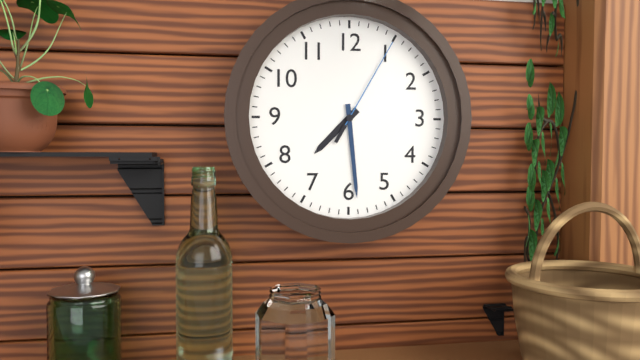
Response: 7:29:05
